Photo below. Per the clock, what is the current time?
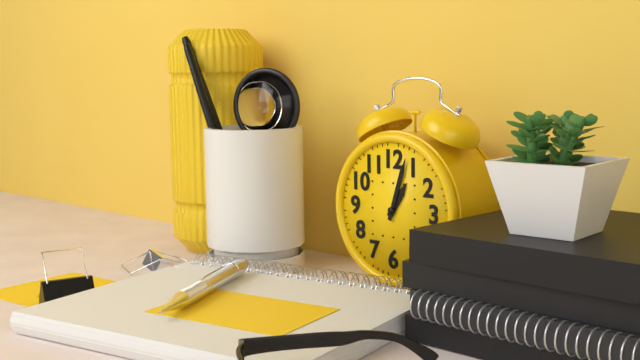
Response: 1:03
